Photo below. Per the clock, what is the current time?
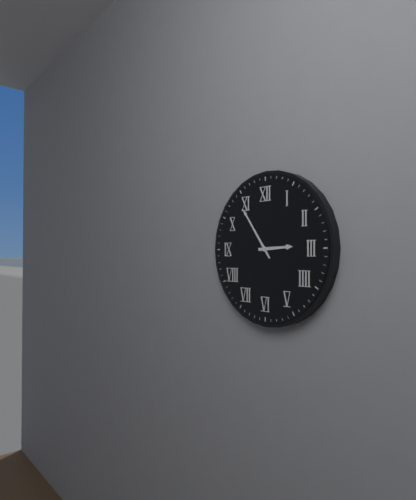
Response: 2:54
